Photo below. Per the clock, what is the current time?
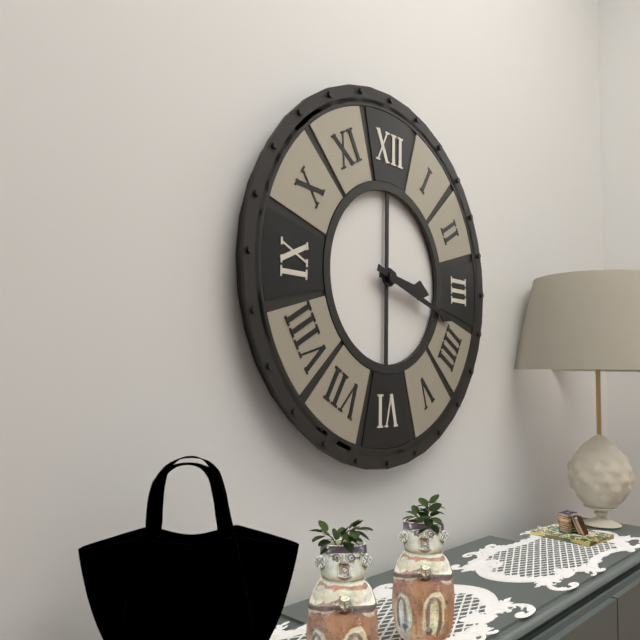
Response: 3:18
